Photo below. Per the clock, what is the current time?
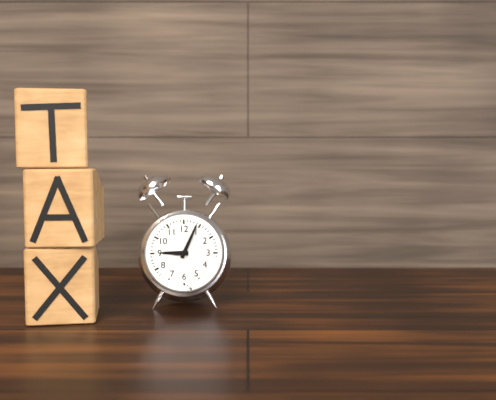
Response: 9:04
